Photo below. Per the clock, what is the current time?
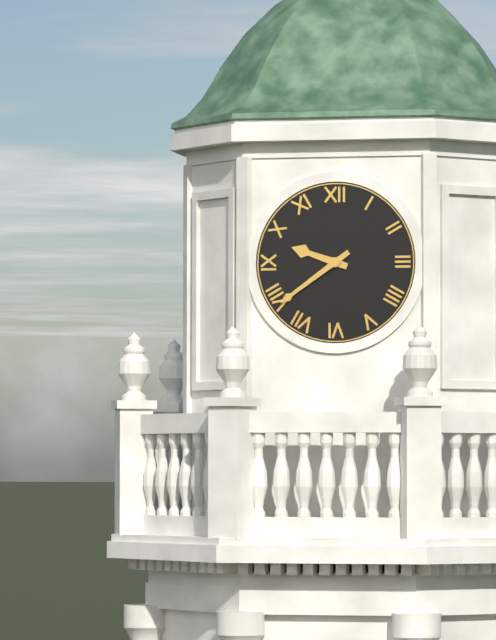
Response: 9:39
